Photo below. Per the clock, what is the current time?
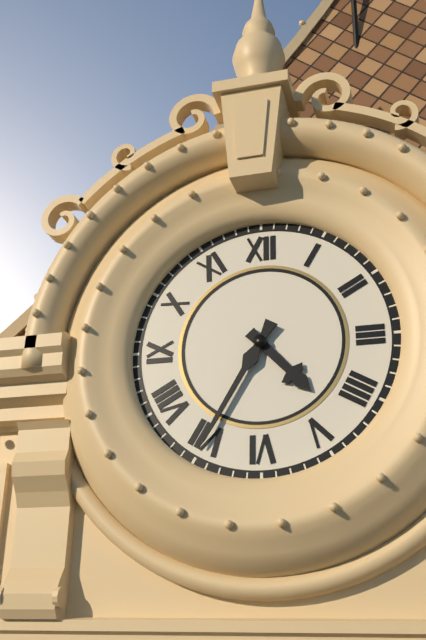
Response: 4:35
